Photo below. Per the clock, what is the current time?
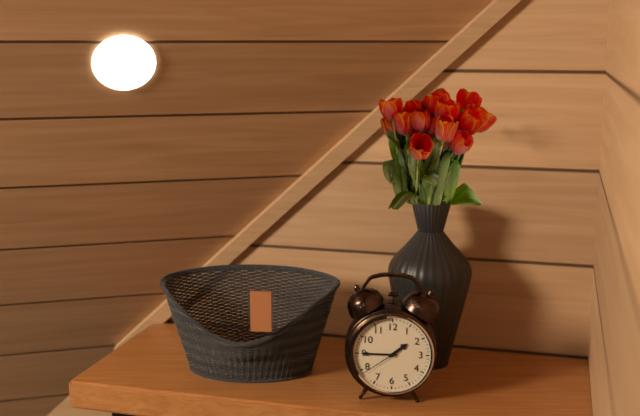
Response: 1:45
